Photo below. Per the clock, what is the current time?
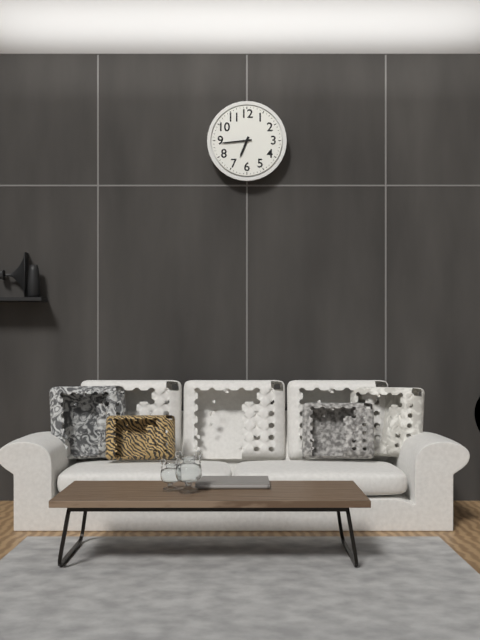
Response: 6:44
